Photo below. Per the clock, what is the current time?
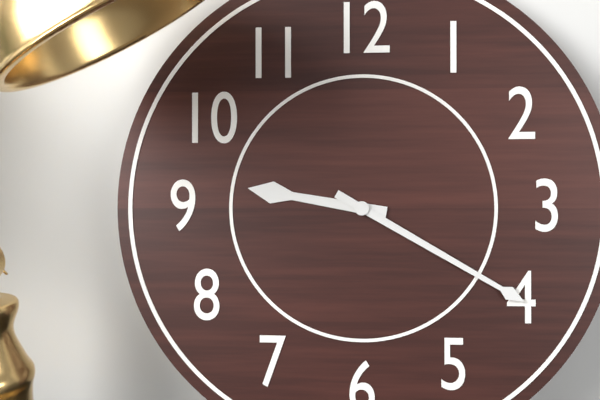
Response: 9:20
